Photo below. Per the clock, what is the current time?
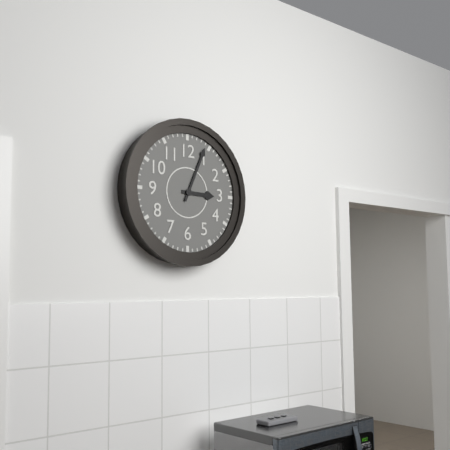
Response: 3:04
